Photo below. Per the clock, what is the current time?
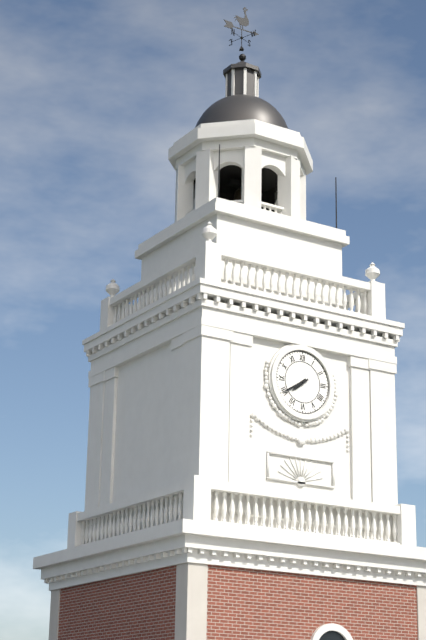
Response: 7:40
